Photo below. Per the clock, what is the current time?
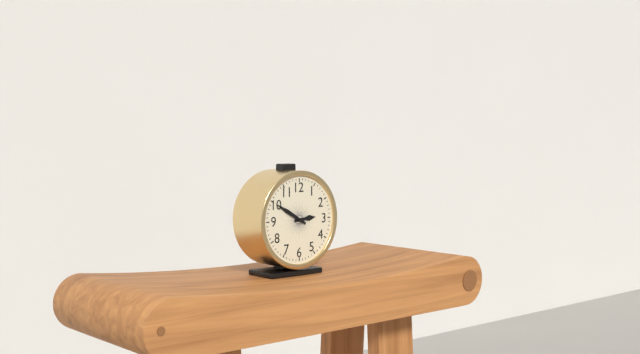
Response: 2:50
